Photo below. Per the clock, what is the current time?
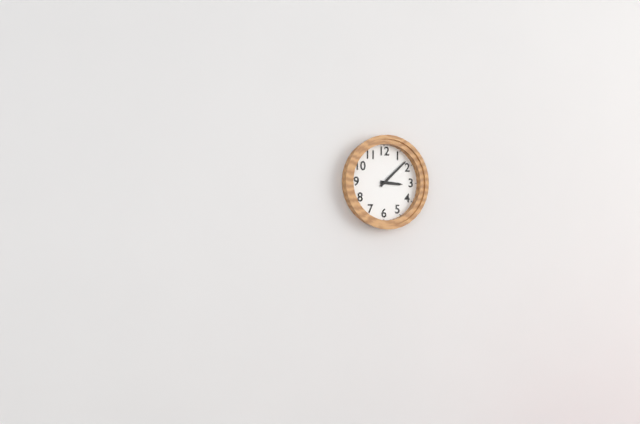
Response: 3:08
